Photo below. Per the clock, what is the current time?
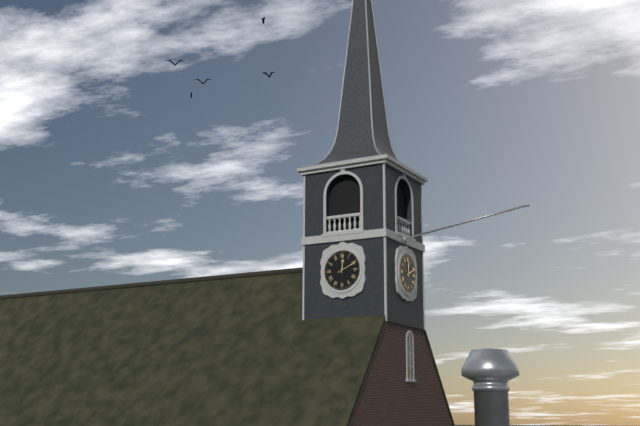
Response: 12:11
